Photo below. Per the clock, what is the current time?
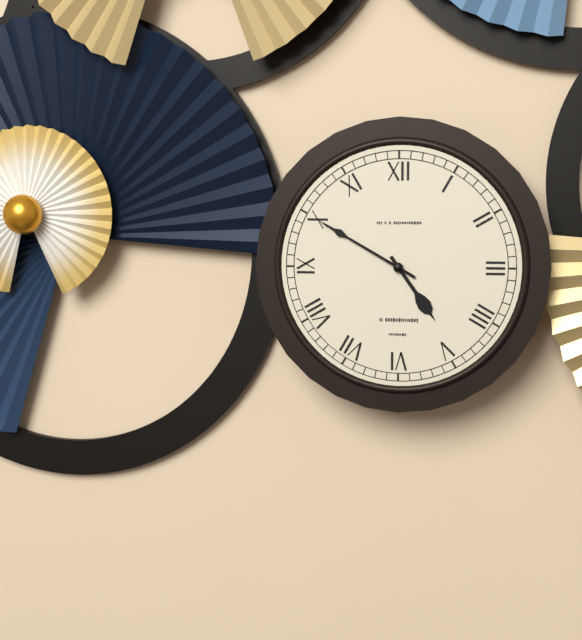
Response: 4:50
